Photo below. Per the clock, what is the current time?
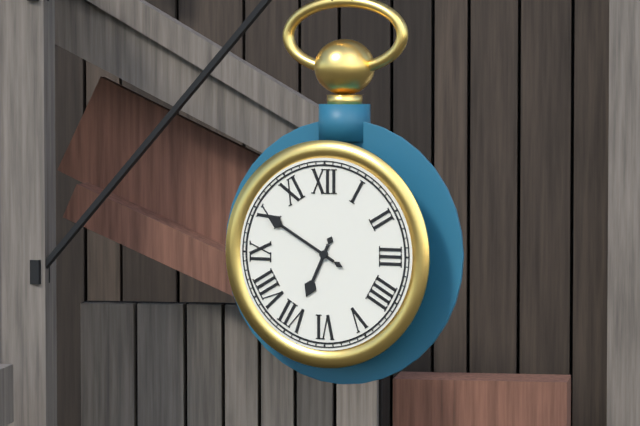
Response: 6:50
